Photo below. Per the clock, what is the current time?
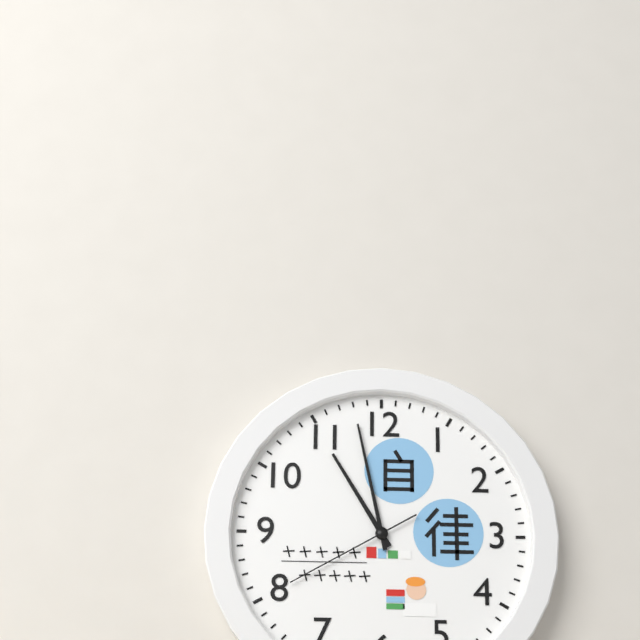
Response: 10:58:40
